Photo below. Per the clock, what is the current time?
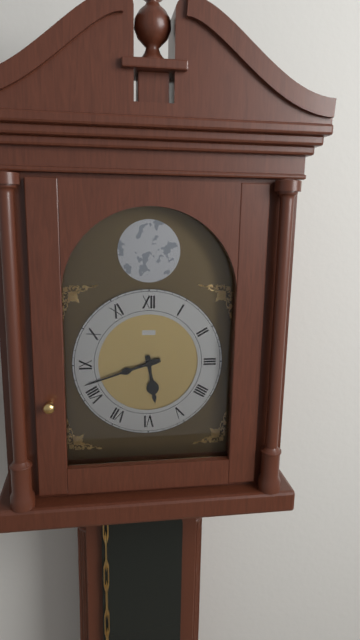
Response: 5:42
